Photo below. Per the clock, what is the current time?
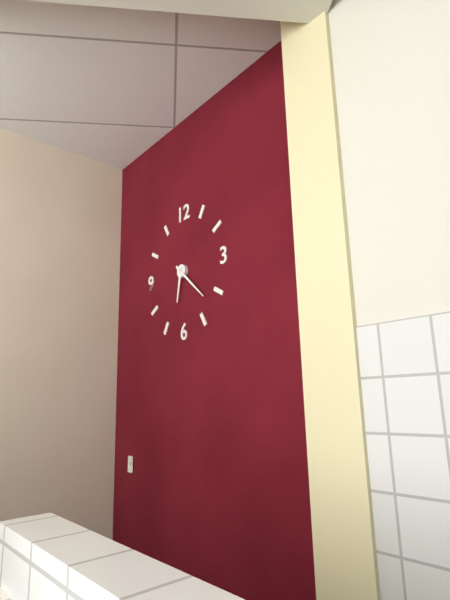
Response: 6:22
